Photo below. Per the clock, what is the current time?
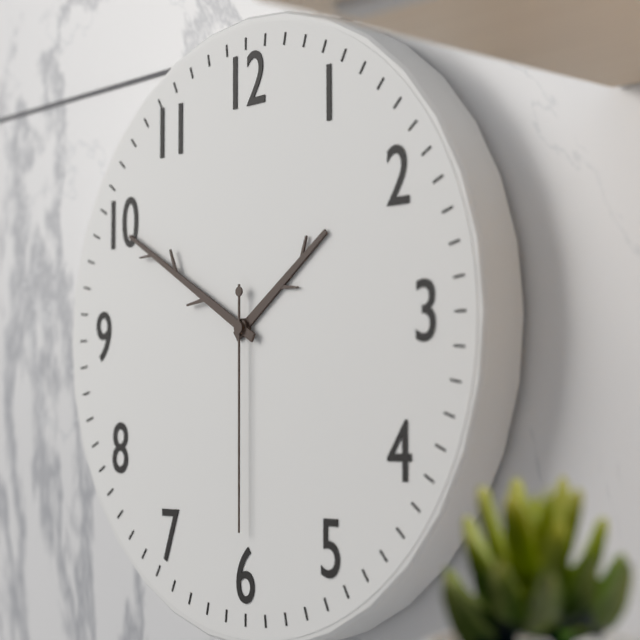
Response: 1:50:30
